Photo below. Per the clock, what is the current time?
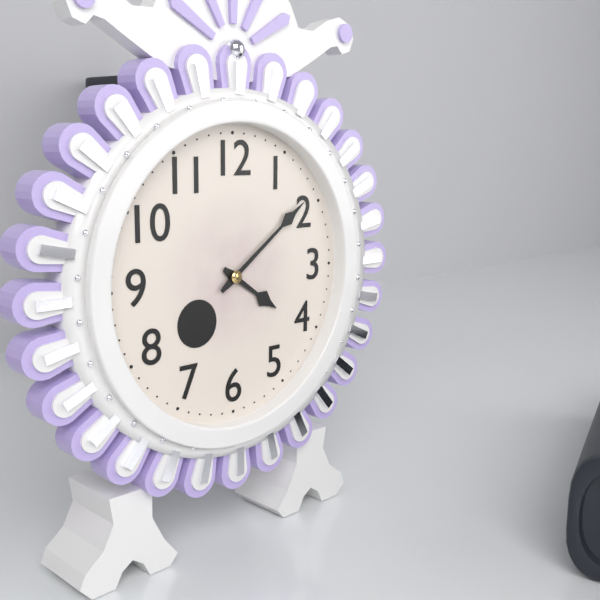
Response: 4:09
